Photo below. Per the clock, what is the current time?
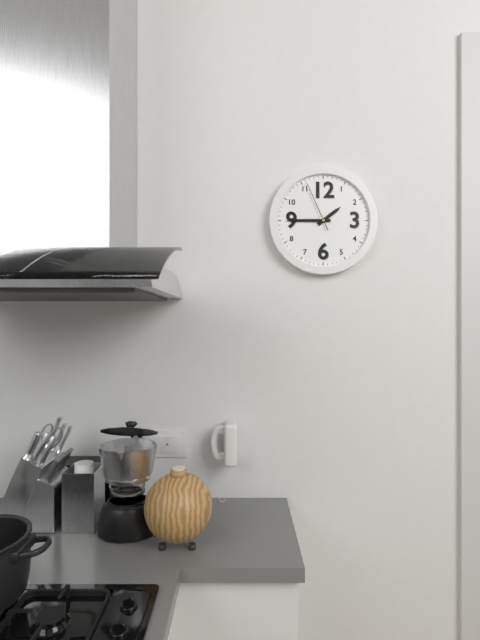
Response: 1:45:56
